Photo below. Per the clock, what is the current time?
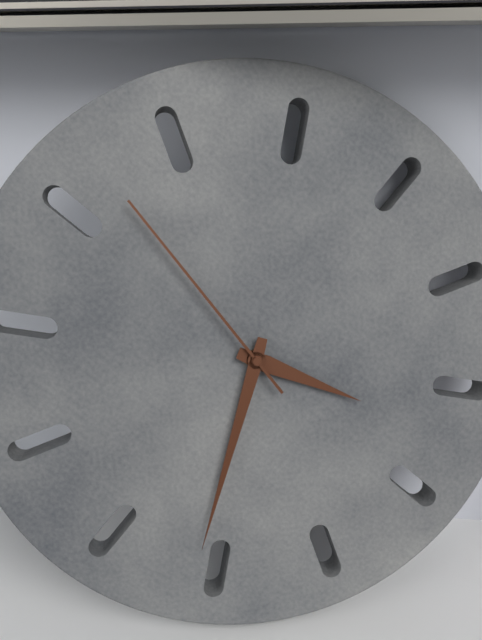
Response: 2:26:47
